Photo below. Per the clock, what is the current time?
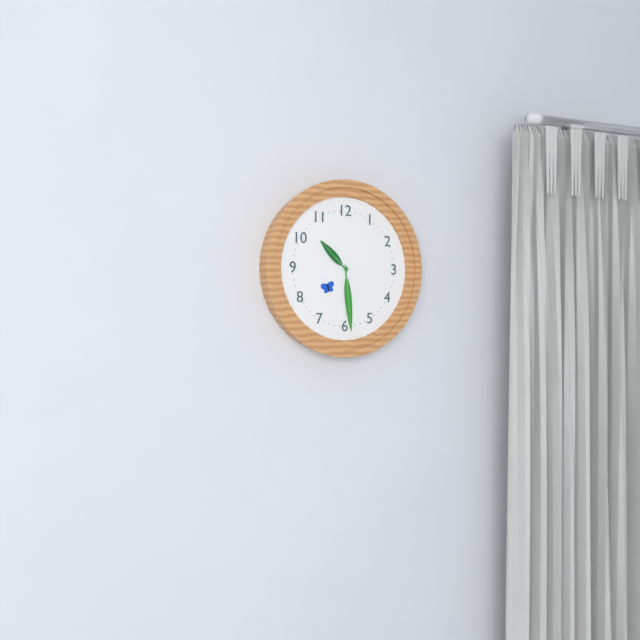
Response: 10:29
